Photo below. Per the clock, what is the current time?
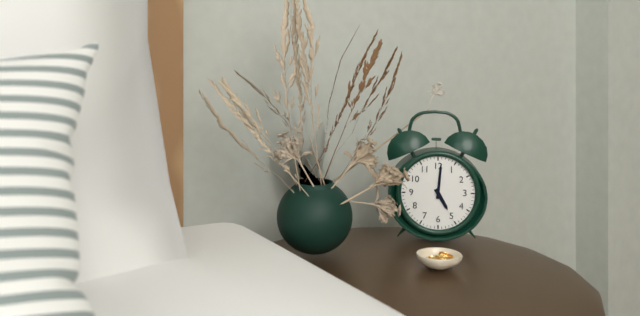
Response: 5:01
